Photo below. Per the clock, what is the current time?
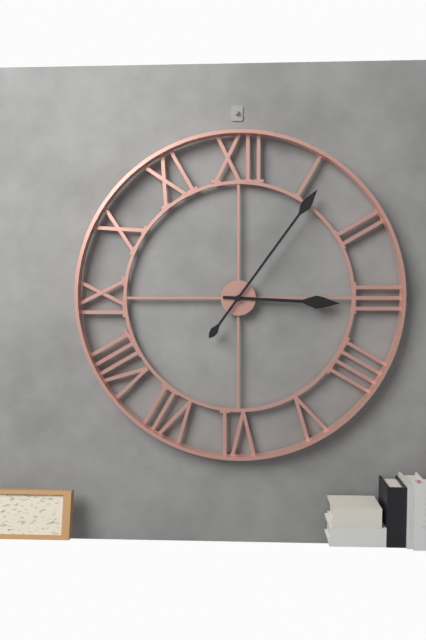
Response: 3:06
